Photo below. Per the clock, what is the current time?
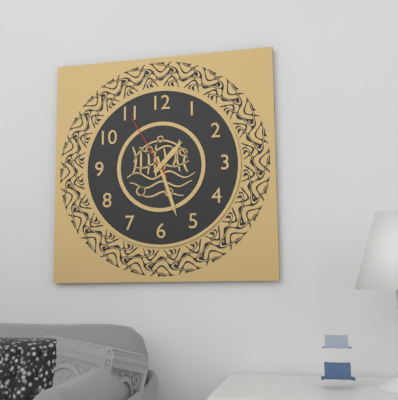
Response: 1:27:55
